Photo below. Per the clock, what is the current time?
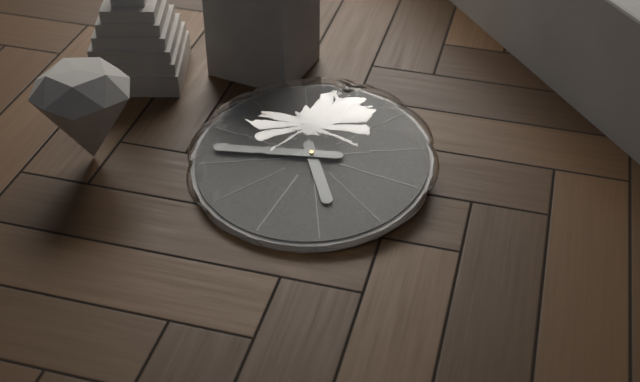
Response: 4:42
